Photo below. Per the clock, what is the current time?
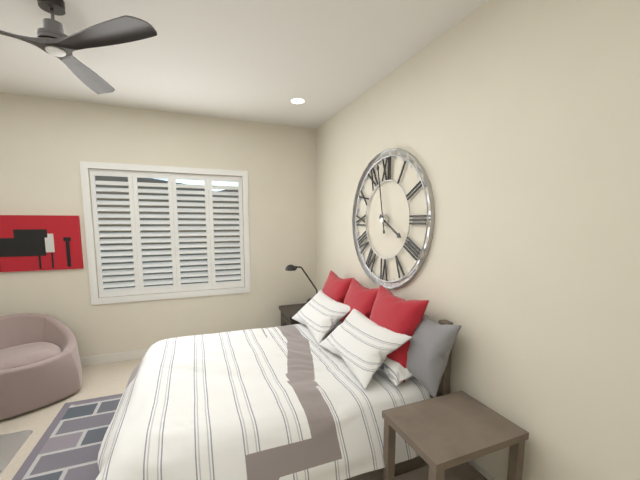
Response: 3:58
